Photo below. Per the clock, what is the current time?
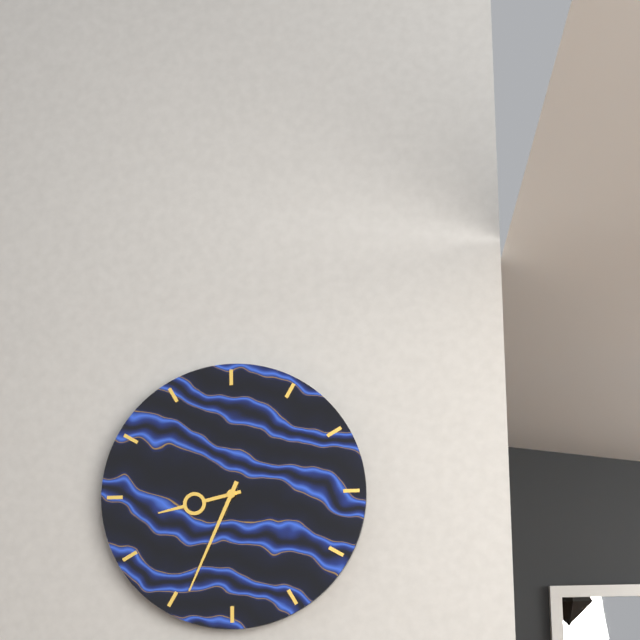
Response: 8:34
